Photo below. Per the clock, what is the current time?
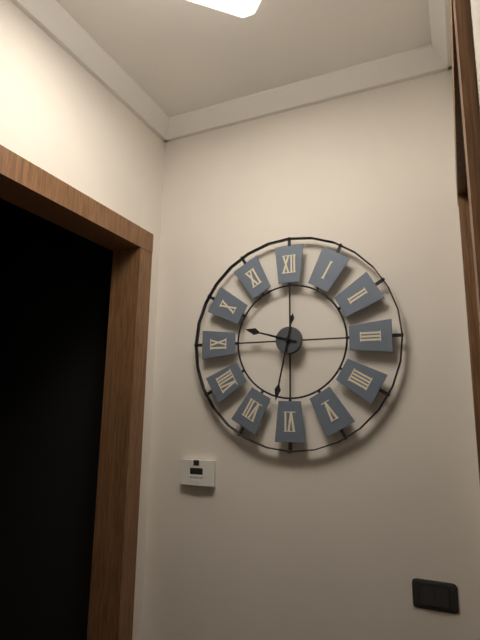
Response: 9:32
